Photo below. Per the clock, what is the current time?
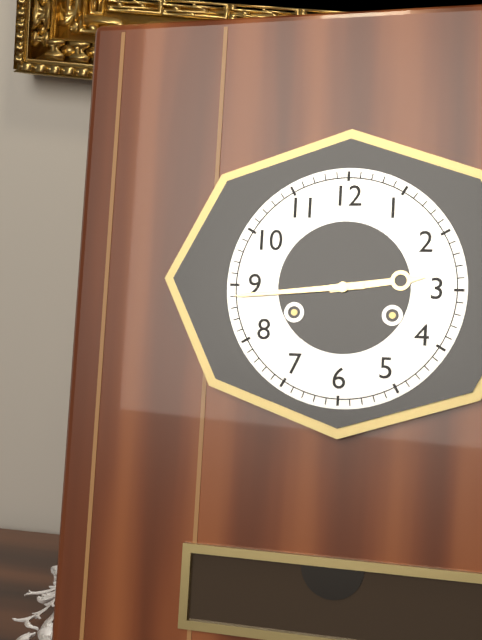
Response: 2:44
